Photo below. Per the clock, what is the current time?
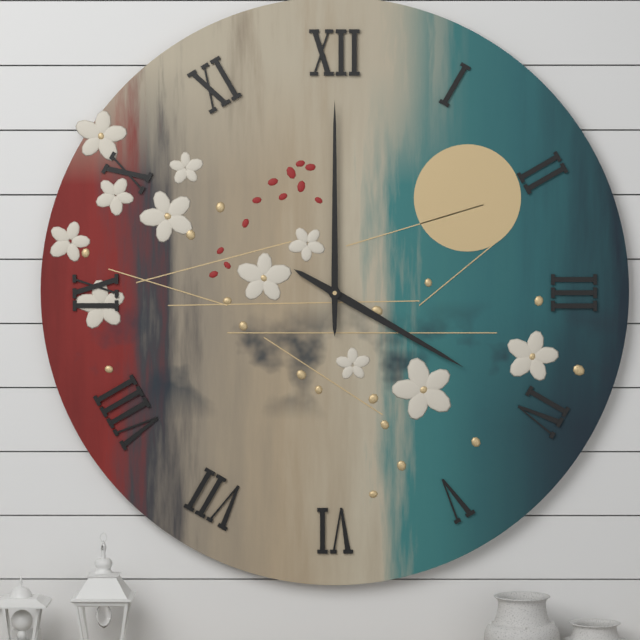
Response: 4:00
